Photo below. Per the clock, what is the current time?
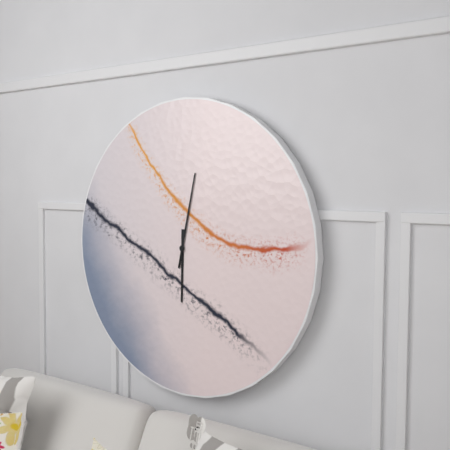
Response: 6:02
